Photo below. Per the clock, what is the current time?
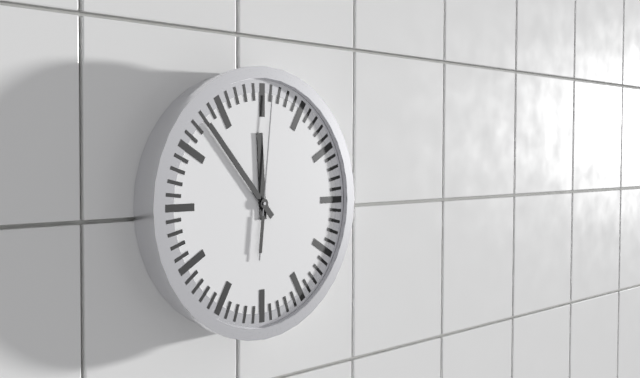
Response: 11:53:01
